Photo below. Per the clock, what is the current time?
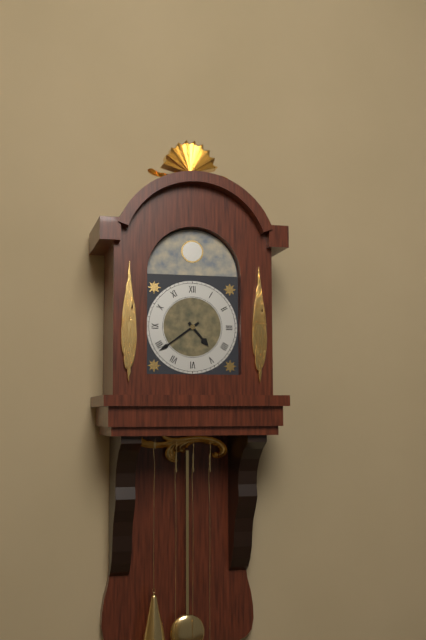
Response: 4:39
